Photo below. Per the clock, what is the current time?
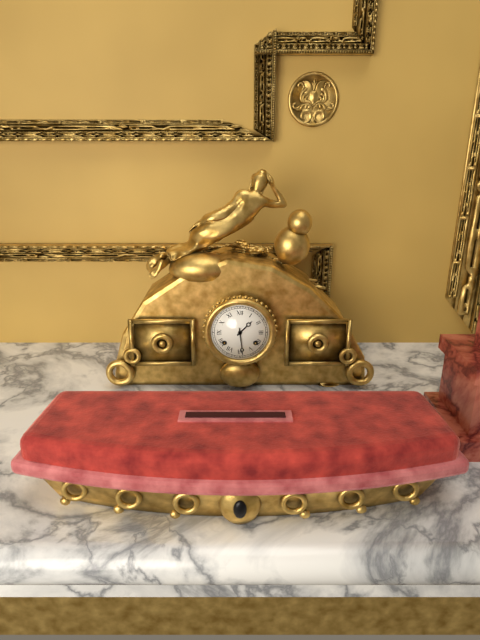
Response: 1:29
